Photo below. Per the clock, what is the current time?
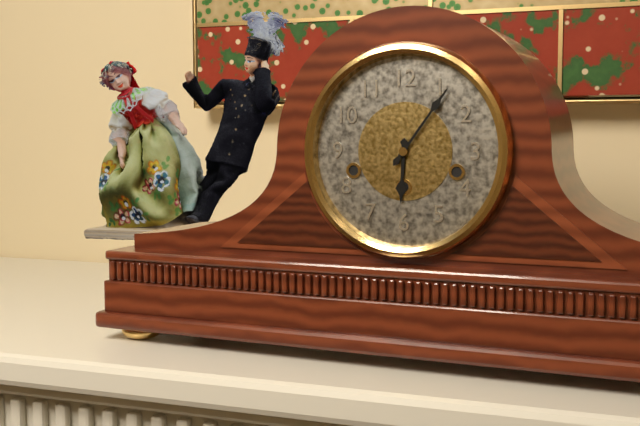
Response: 6:06
